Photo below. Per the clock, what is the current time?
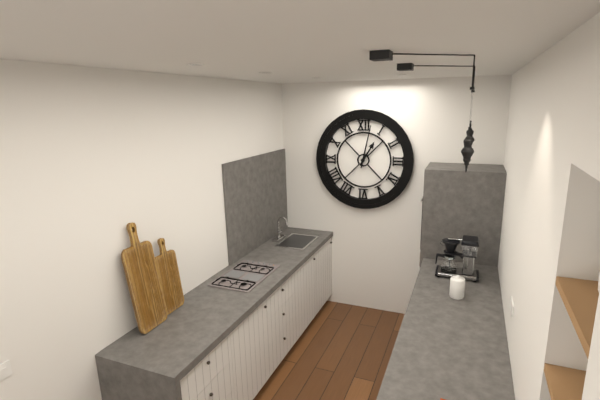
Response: 1:02
